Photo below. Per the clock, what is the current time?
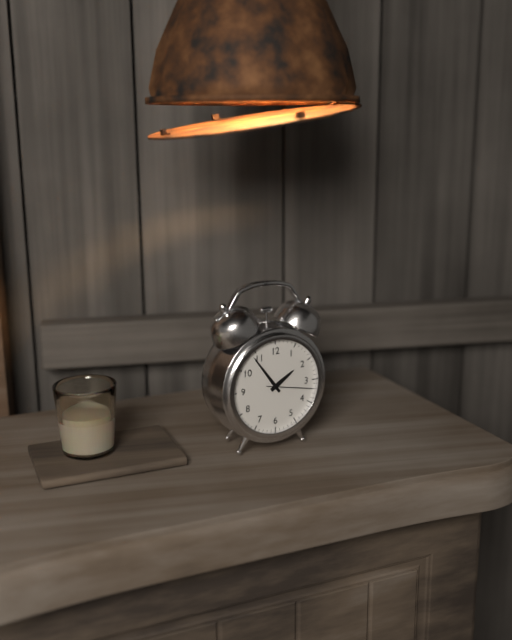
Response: 1:54
